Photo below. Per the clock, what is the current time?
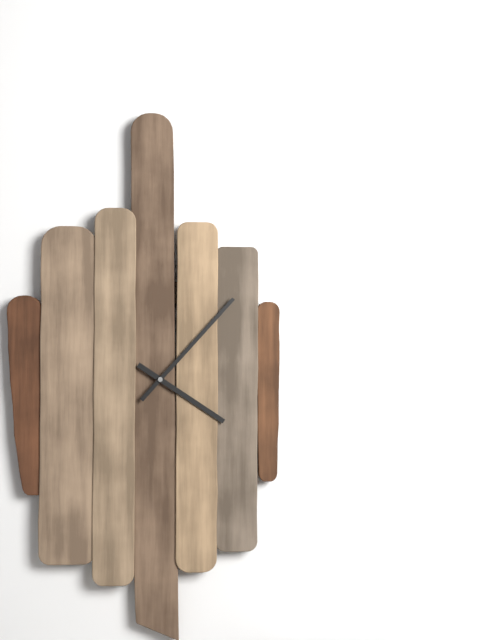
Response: 4:07
